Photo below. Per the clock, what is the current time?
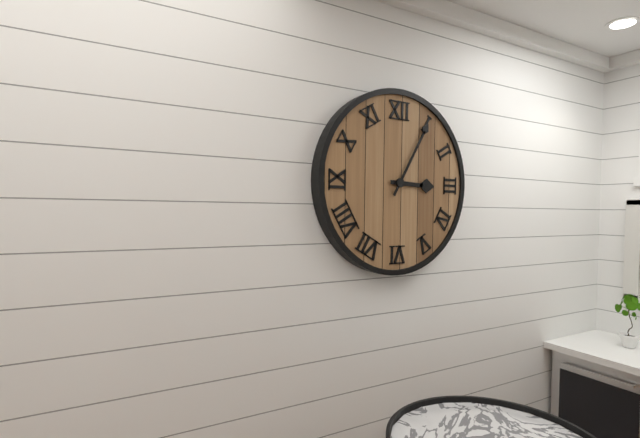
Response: 3:05
